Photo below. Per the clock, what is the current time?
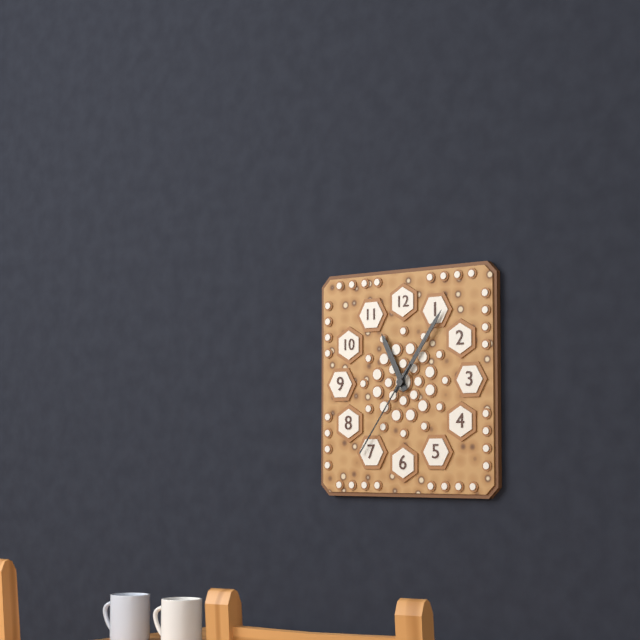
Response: 11:06:36
